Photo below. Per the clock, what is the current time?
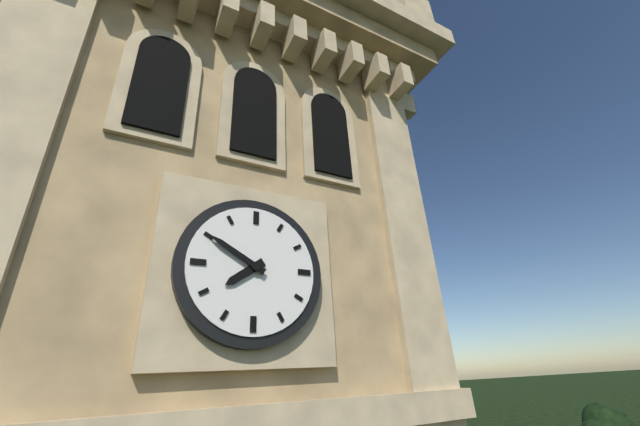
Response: 7:50
